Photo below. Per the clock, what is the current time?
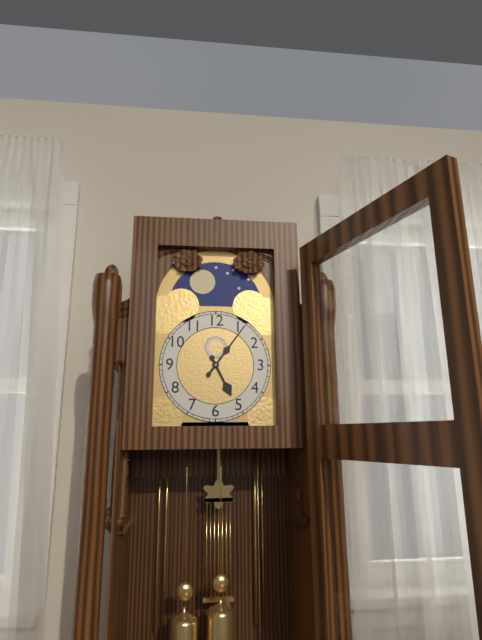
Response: 5:06
